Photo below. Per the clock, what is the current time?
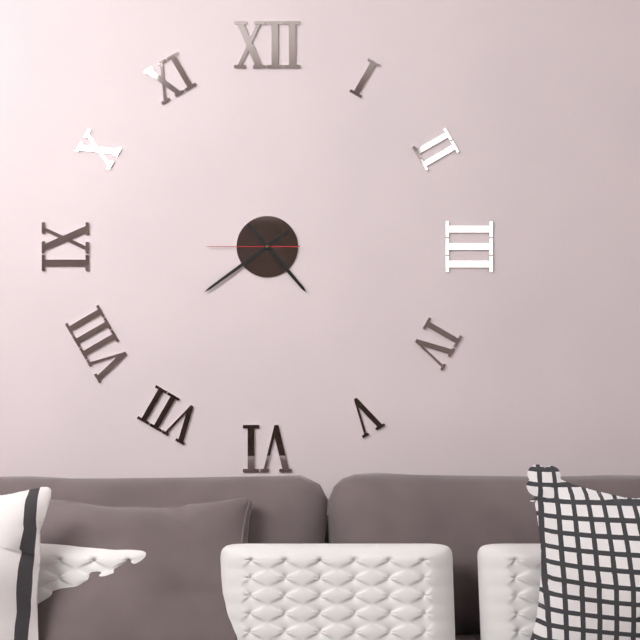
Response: 4:39:45
